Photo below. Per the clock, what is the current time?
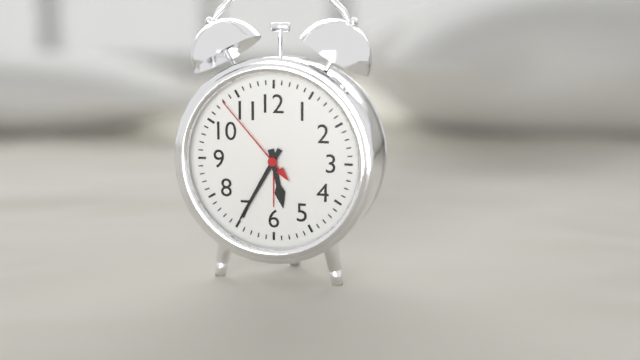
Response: 5:35:53
